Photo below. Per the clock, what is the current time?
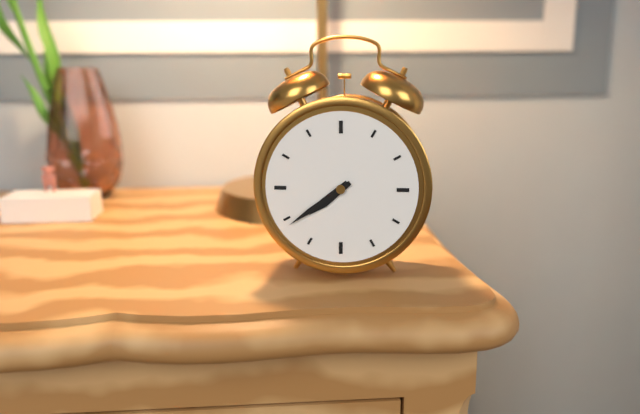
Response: 7:39
